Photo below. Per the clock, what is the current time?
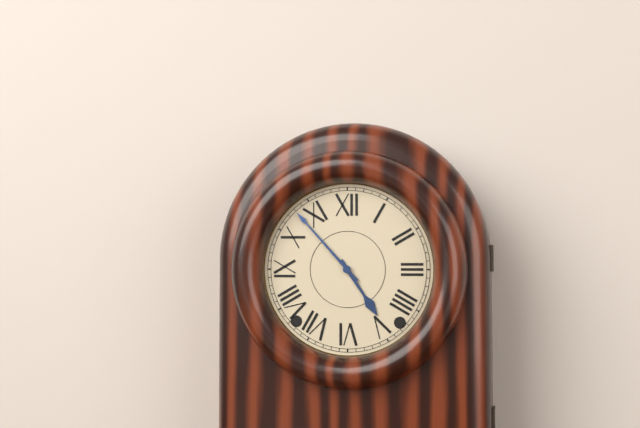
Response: 4:53
